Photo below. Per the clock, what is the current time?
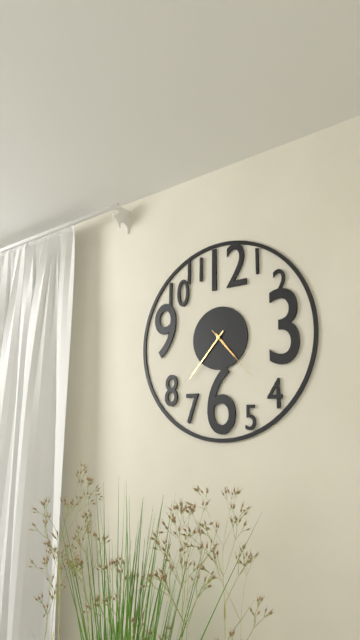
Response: 4:37:23
